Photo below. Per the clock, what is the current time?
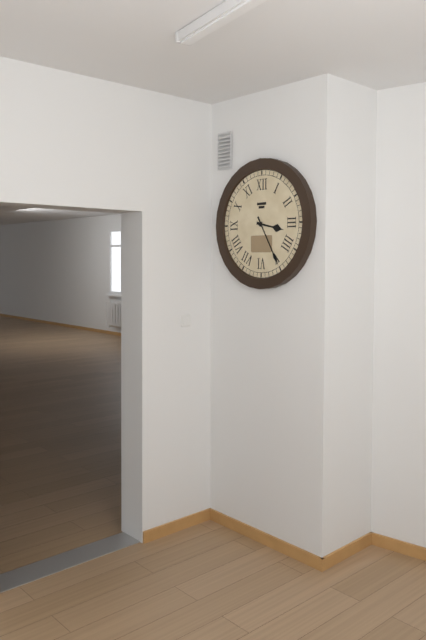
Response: 3:25
